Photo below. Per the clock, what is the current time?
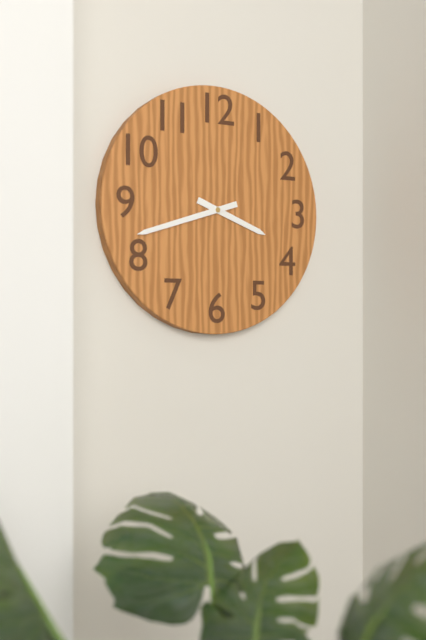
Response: 3:42
